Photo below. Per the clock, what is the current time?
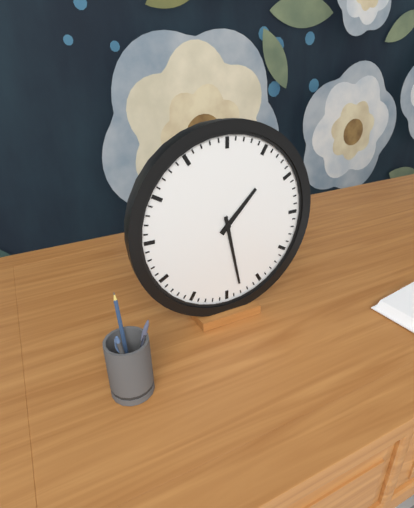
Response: 1:28
